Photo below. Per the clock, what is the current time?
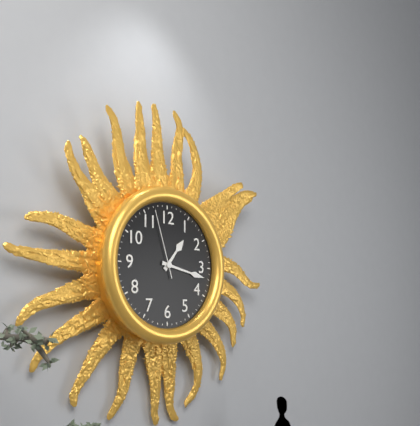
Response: 1:17:57
